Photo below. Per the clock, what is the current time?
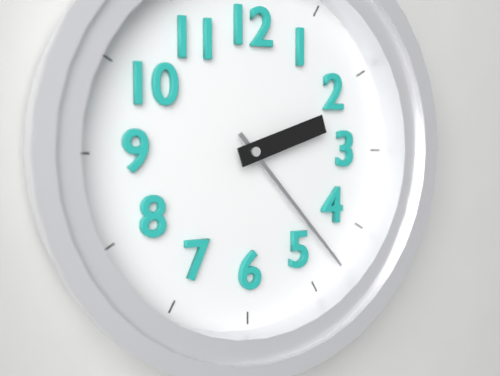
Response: 2:23
